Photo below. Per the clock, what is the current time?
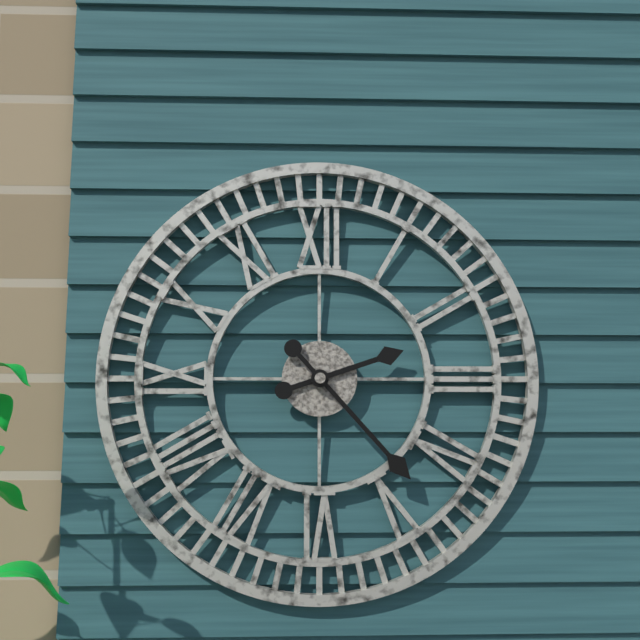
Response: 2:23
